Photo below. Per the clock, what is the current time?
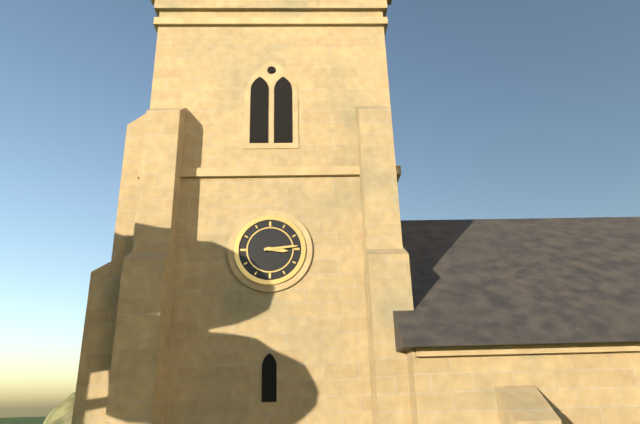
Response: 3:14
